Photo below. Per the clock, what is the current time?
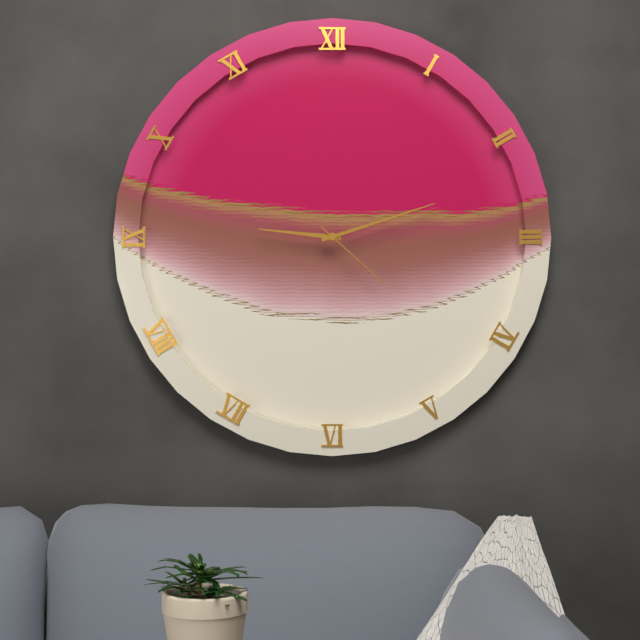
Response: 9:12:22
